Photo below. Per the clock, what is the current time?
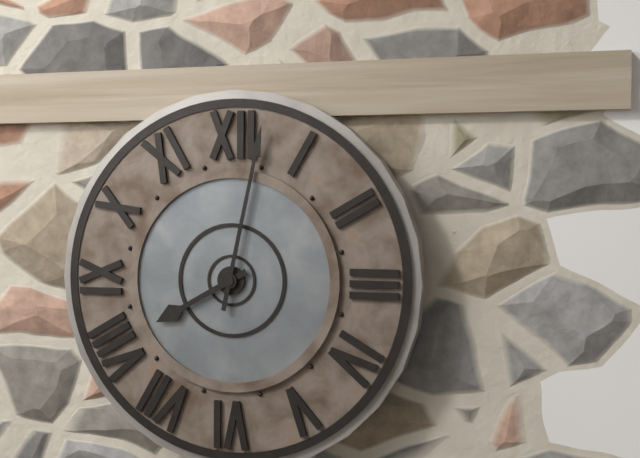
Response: 8:02
